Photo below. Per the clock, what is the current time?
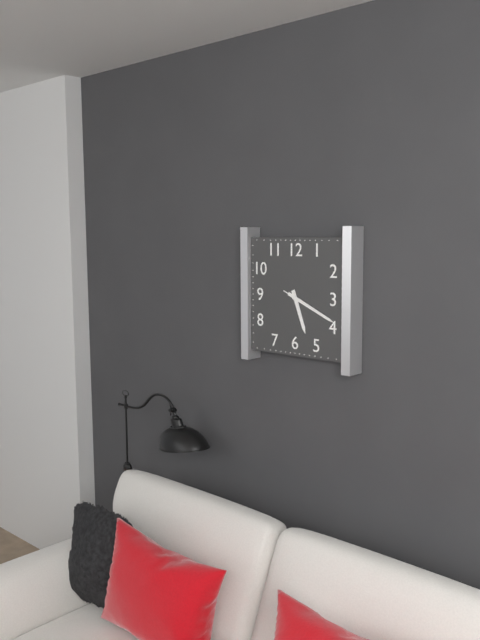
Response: 5:19:19
